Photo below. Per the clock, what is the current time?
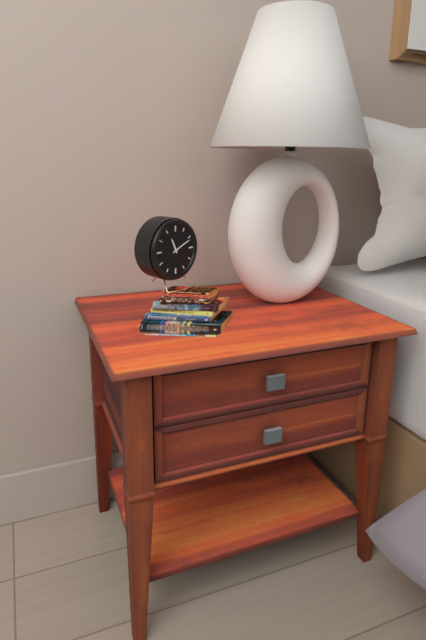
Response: 11:11
